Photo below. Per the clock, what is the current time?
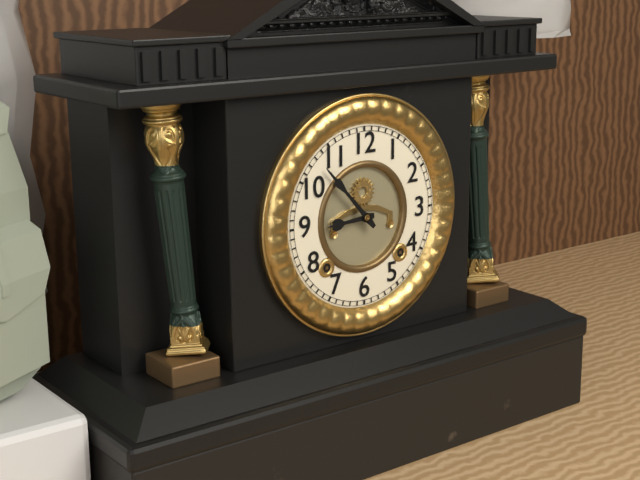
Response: 8:53
